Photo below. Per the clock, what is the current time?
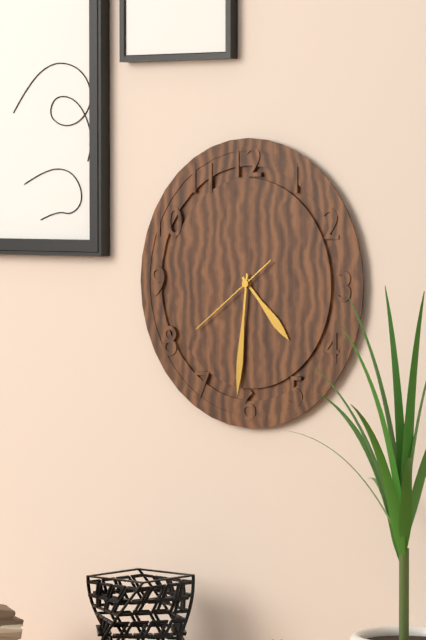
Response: 4:31:39
